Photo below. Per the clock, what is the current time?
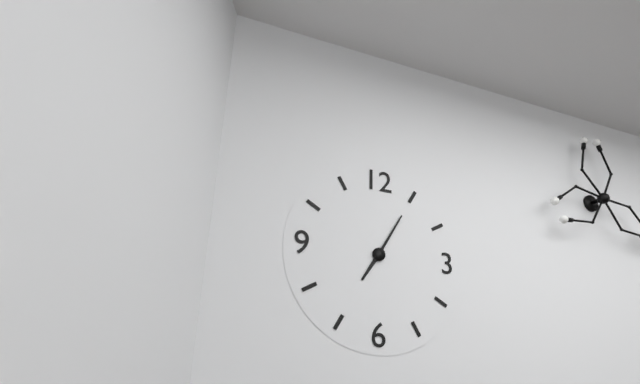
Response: 7:05
